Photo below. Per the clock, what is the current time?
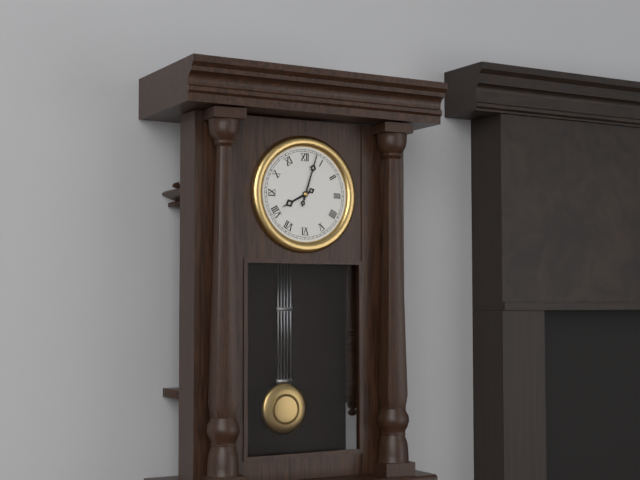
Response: 8:03
